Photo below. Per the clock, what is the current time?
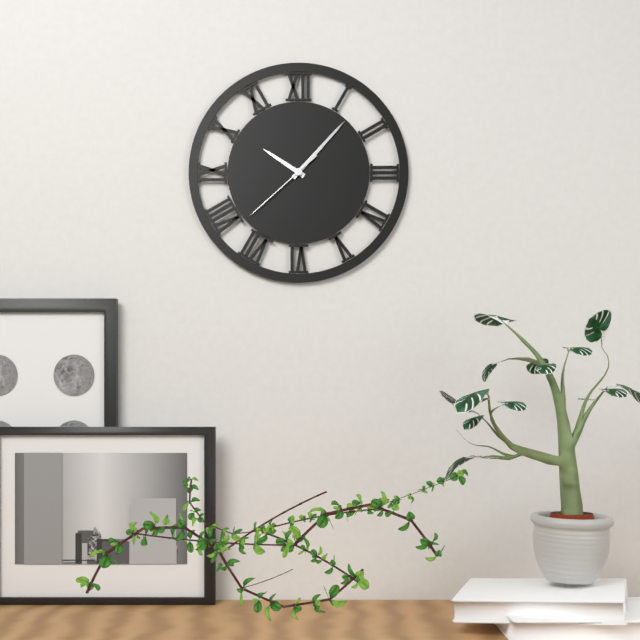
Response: 10:07:38
